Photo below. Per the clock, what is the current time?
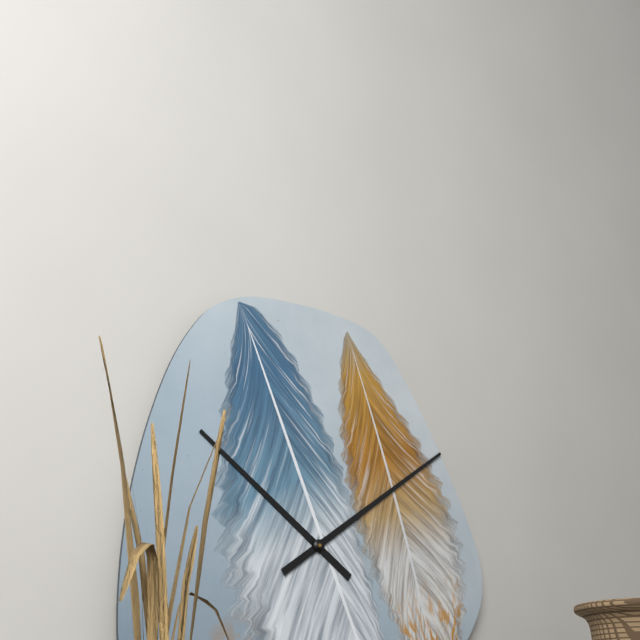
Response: 10:09
